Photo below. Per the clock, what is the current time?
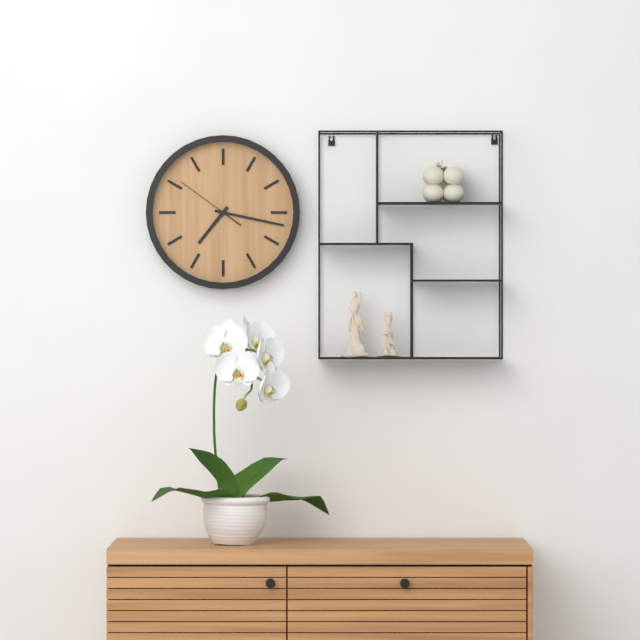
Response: 7:17:51
